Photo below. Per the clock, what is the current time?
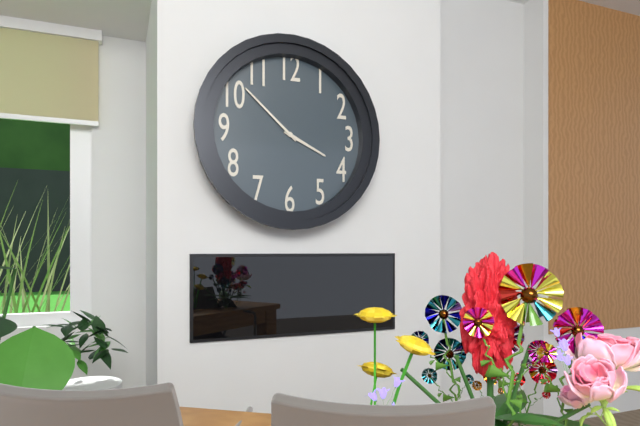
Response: 3:52
